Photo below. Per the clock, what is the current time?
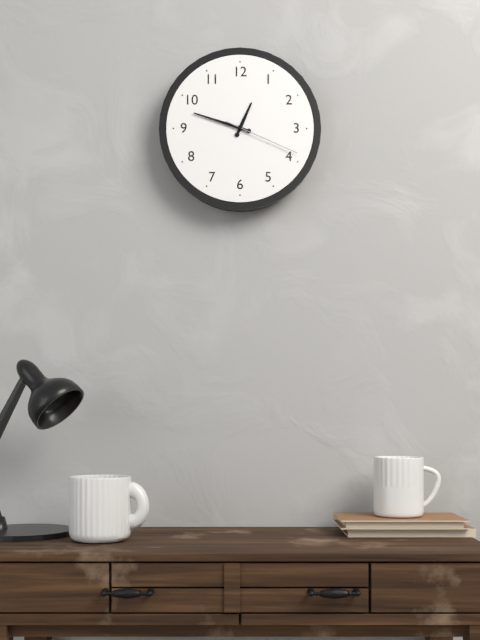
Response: 12:48:19
